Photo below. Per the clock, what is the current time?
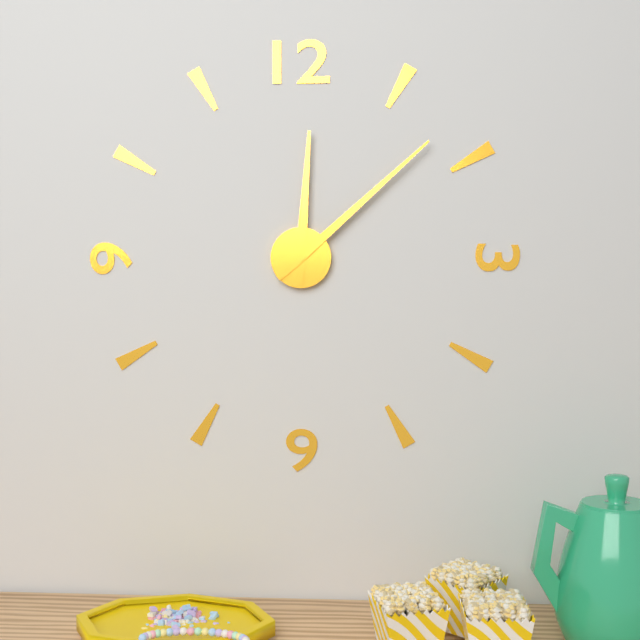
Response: 12:08
